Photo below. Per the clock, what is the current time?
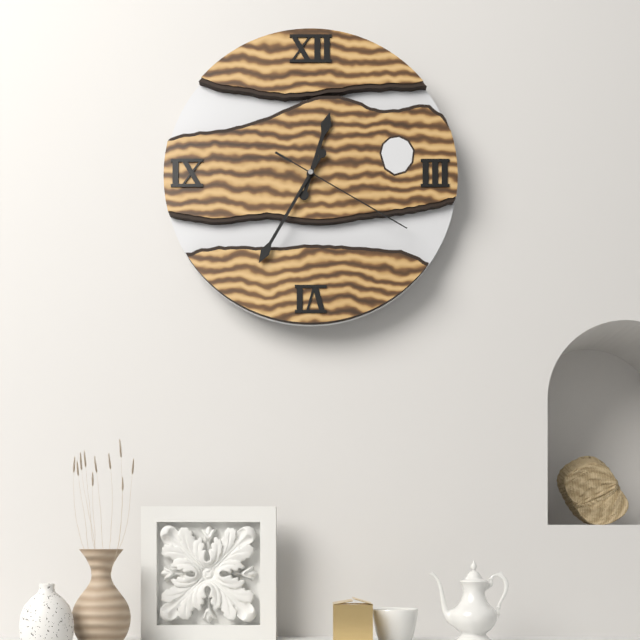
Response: 12:35:20
